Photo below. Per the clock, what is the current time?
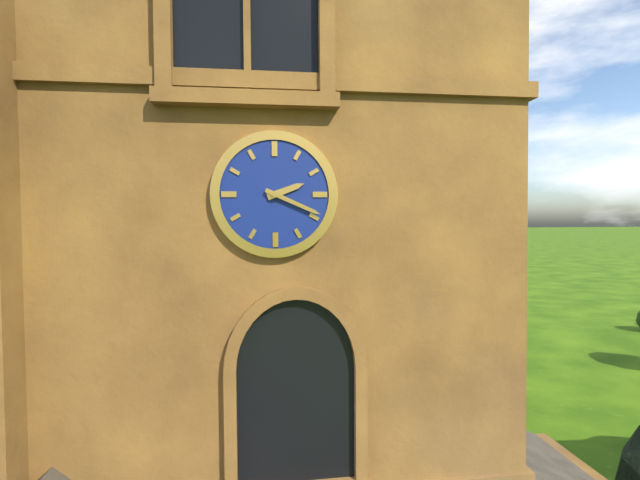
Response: 2:19
